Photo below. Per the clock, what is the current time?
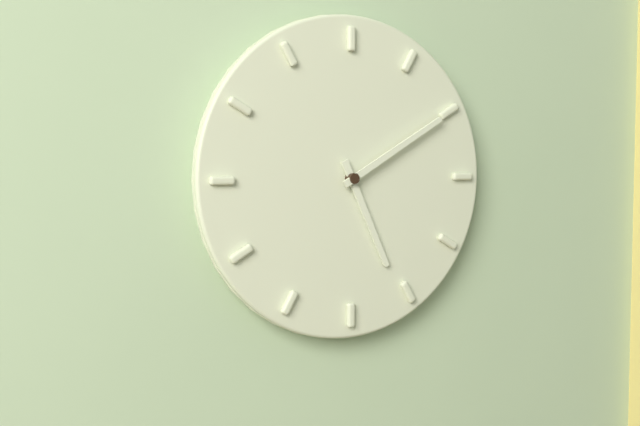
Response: 5:10
